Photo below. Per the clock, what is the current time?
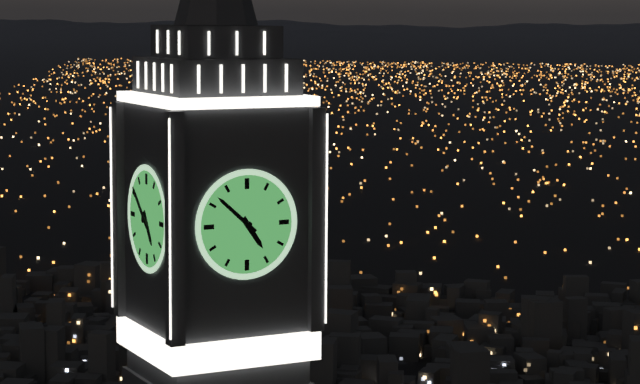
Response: 4:52
